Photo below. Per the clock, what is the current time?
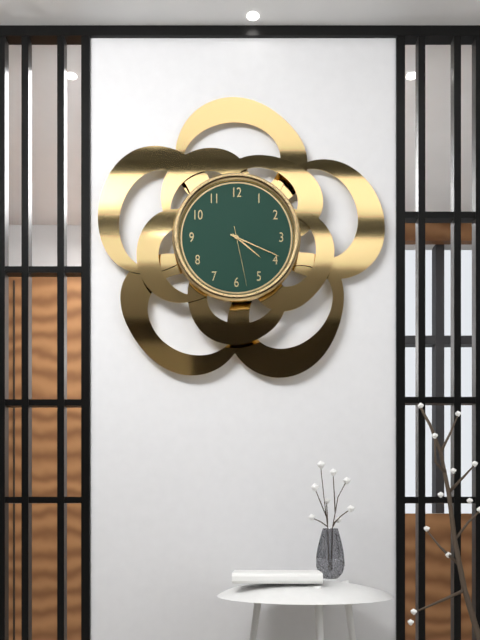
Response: 4:19:28
